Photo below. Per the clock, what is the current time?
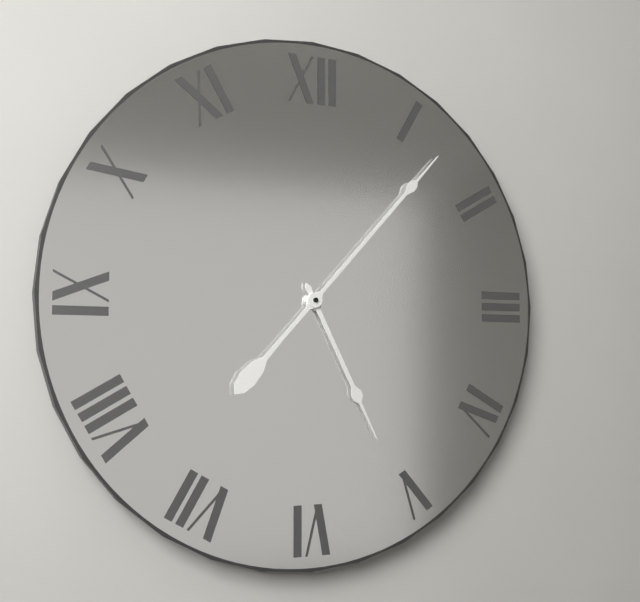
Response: 5:07
